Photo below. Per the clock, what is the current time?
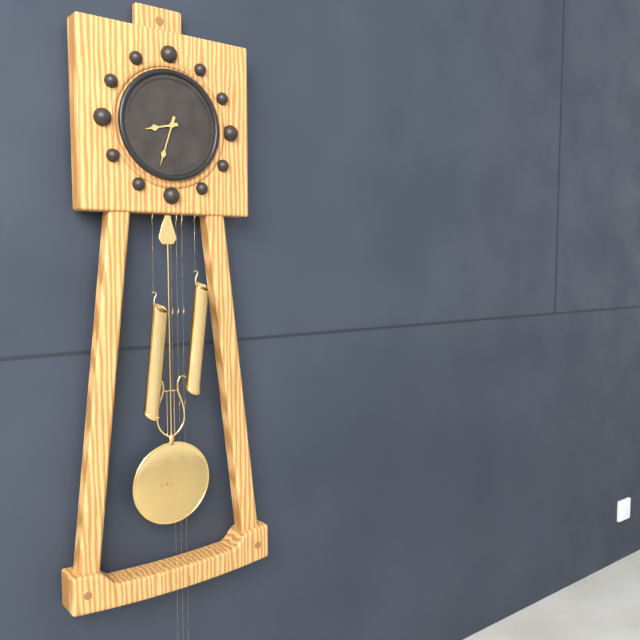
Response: 8:33
